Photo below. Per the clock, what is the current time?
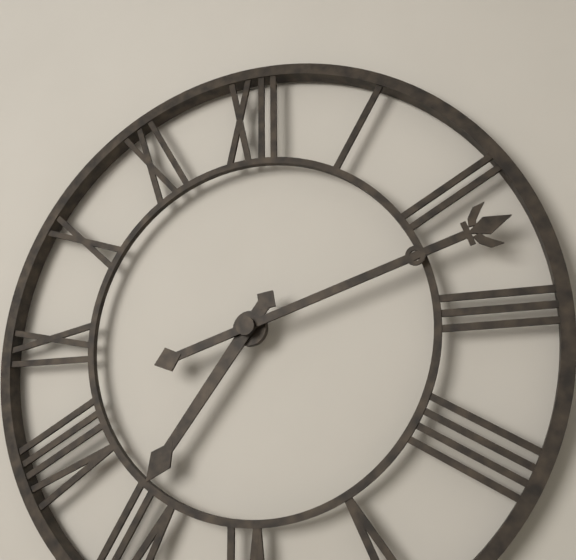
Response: 7:12
